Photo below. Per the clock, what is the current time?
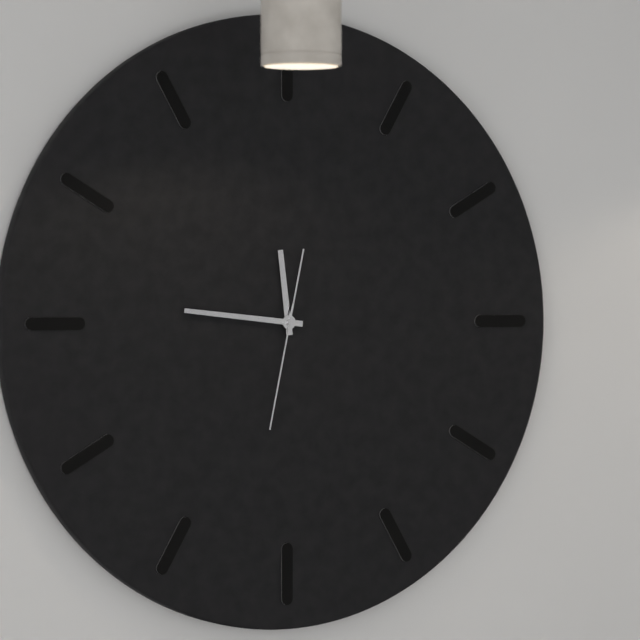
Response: 11:46:32
